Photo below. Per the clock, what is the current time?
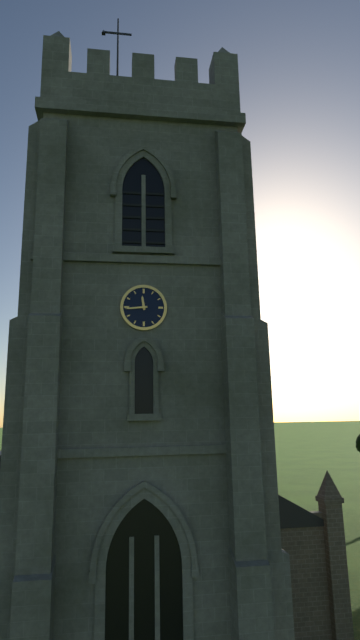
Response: 11:44
